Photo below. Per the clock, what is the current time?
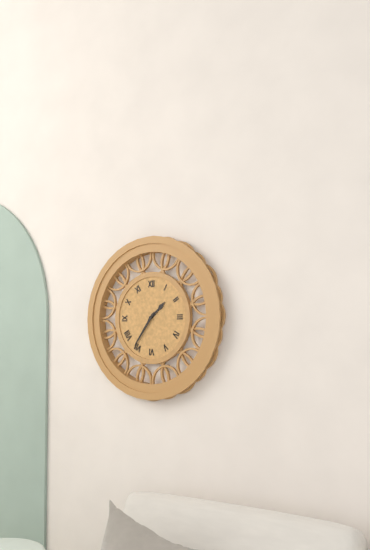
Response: 1:36
